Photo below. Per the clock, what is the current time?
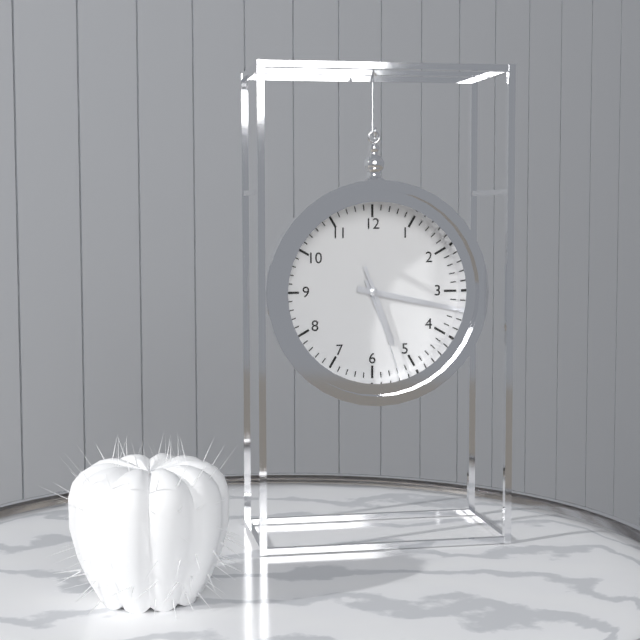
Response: 5:17:27
